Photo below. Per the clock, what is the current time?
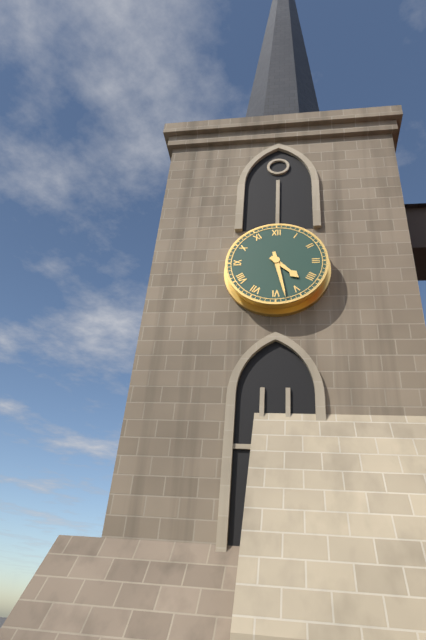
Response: 4:28
